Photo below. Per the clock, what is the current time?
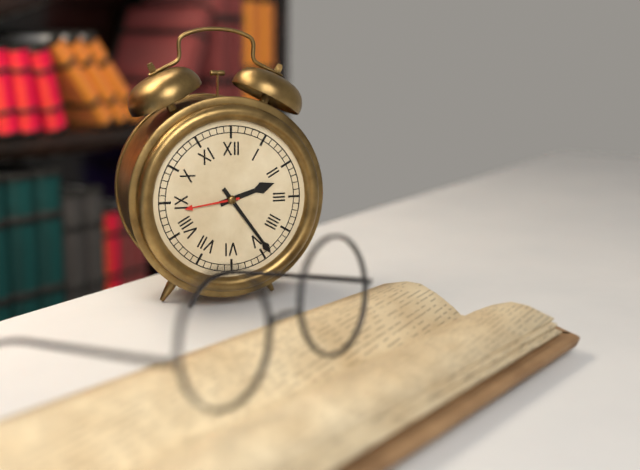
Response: 2:24
